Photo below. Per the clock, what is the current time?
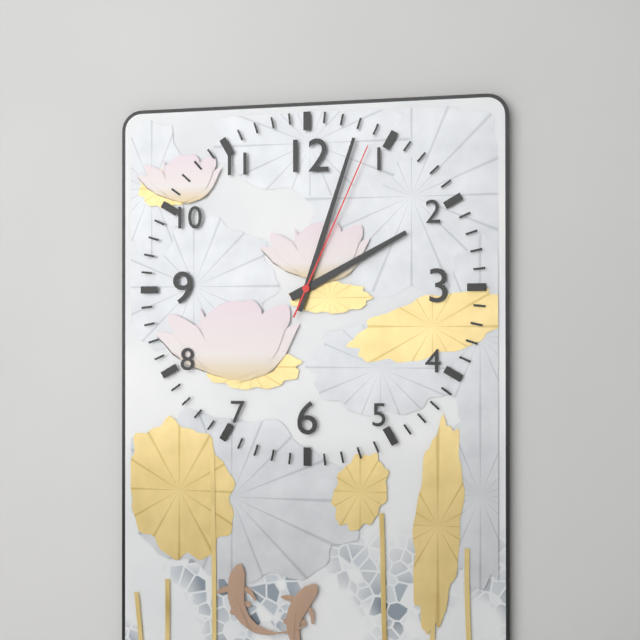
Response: 2:03:04
